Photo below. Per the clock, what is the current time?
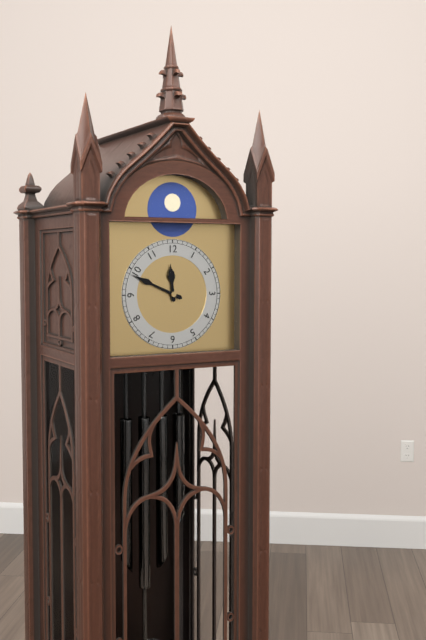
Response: 11:49
